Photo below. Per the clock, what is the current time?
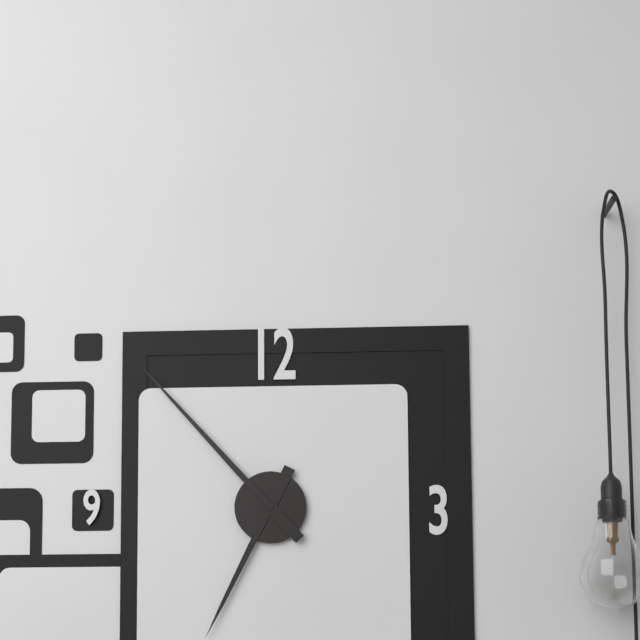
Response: 6:53
